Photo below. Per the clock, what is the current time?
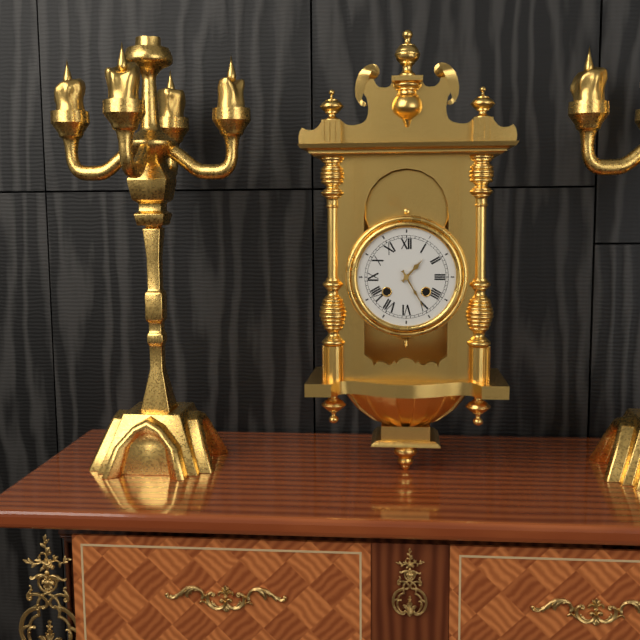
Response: 1:25
